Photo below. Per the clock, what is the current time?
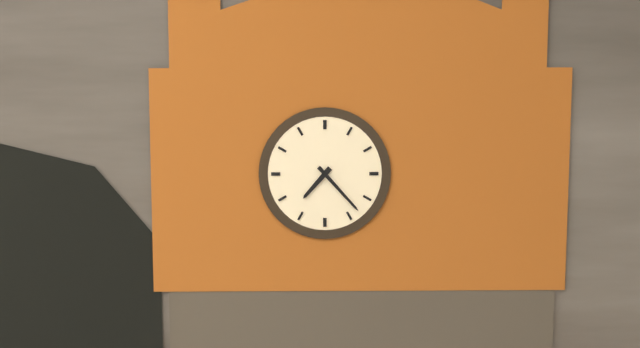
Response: 7:23
